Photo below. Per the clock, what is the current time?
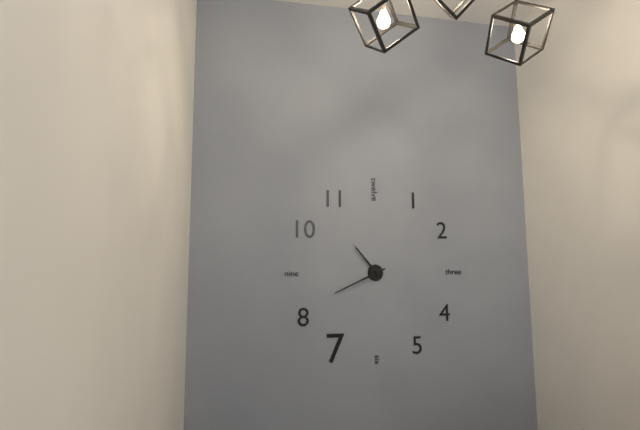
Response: 10:41
